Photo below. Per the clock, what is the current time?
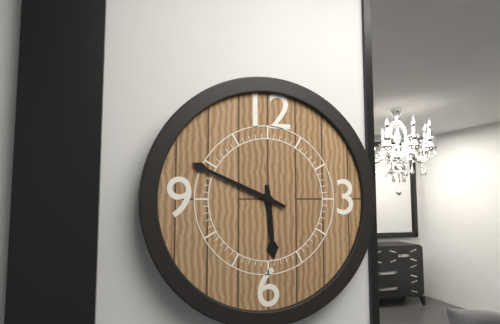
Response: 5:49
